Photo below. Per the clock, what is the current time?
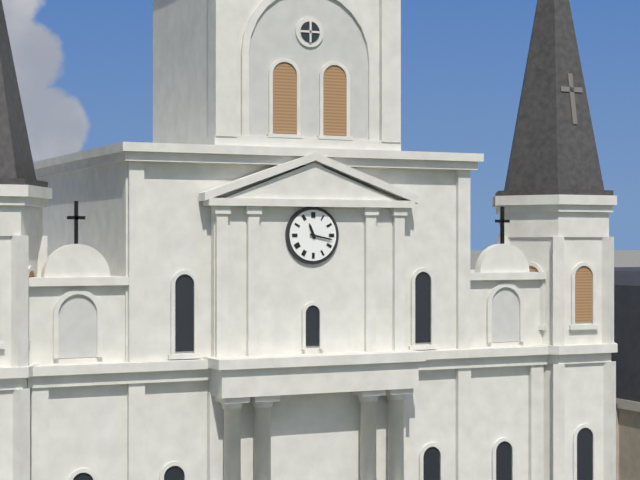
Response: 11:17
